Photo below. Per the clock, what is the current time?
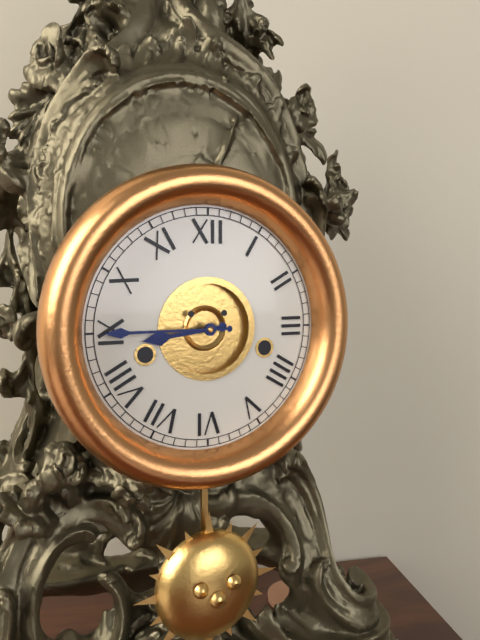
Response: 8:45
